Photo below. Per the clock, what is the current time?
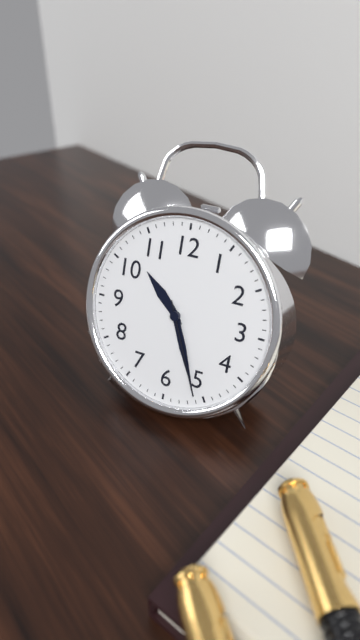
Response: 10:26:26
